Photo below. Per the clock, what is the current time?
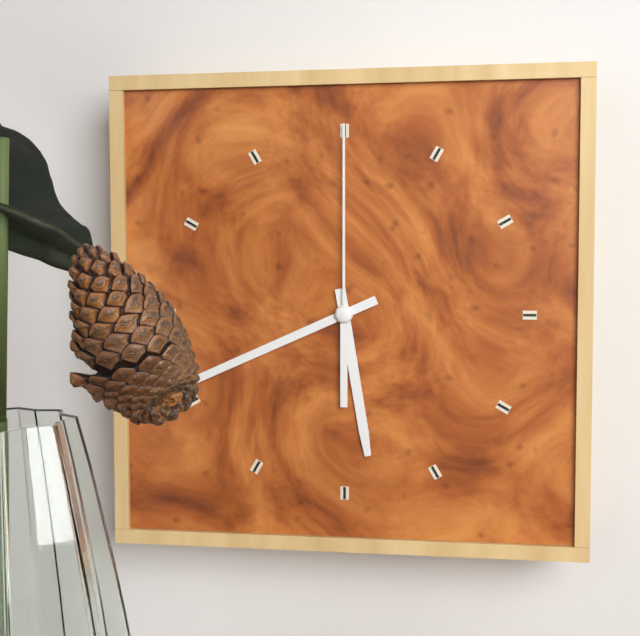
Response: 5:41:00
